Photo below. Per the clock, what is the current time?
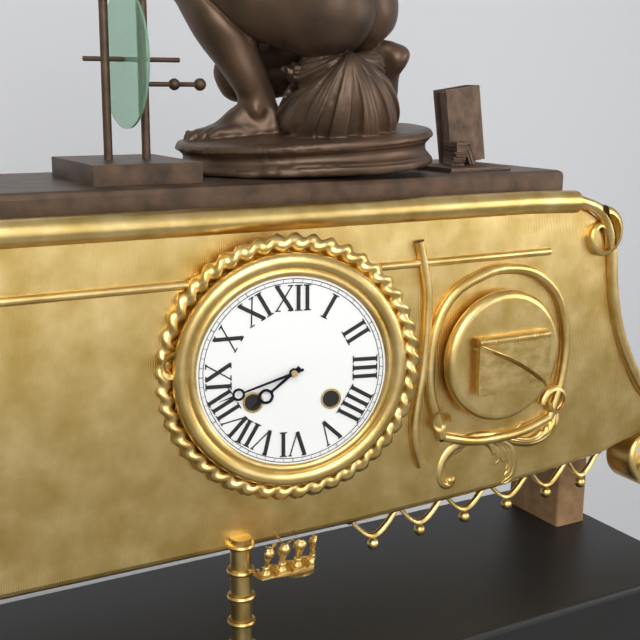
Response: 7:42
